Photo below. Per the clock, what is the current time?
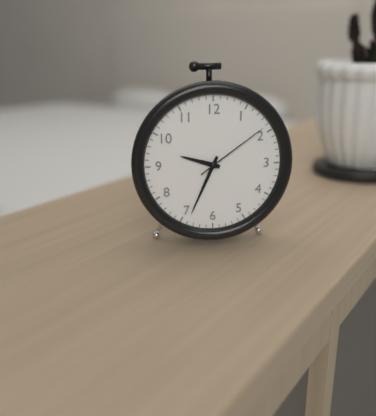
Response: 9:34:09
